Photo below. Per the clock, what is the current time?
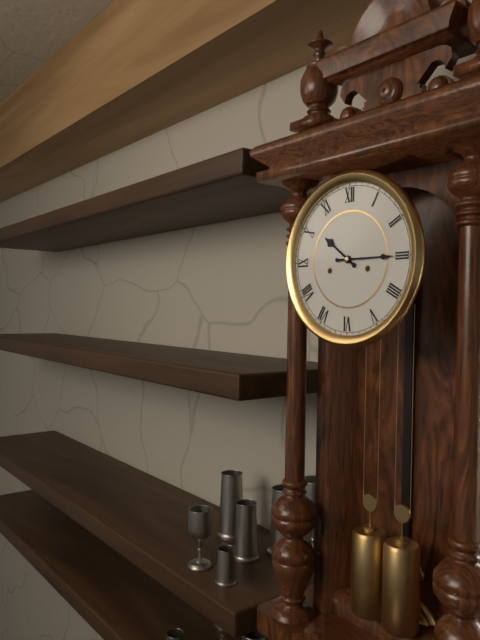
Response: 10:15
